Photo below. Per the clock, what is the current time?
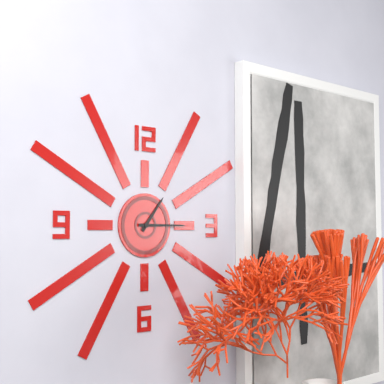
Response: 1:15
